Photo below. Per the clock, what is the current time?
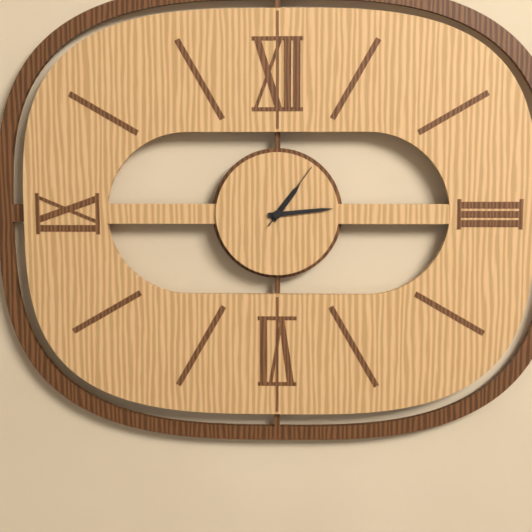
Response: 1:14:06
